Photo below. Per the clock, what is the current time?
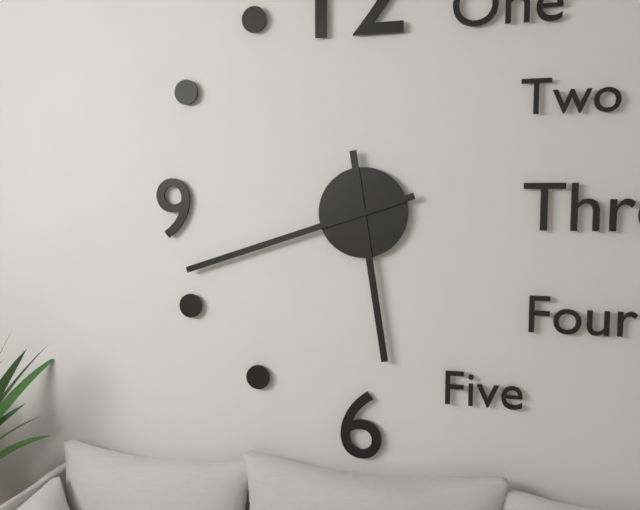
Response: 5:42
